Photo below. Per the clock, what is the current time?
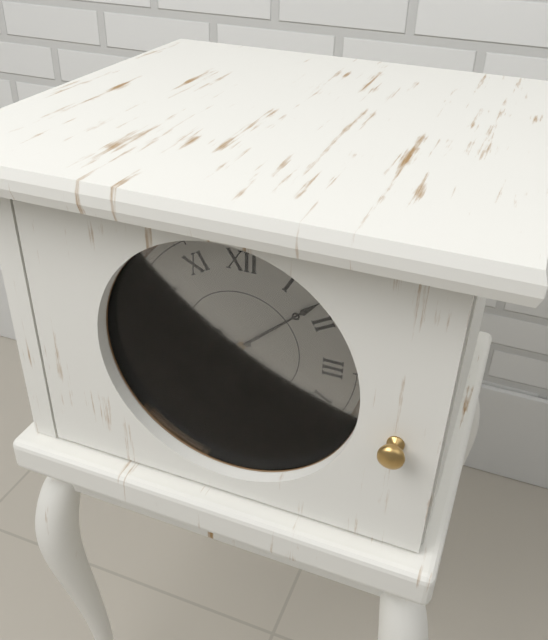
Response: 8:08:20
